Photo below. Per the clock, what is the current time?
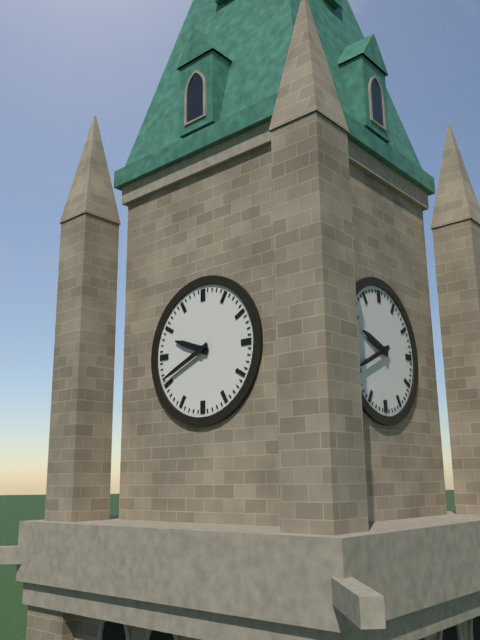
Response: 9:41
